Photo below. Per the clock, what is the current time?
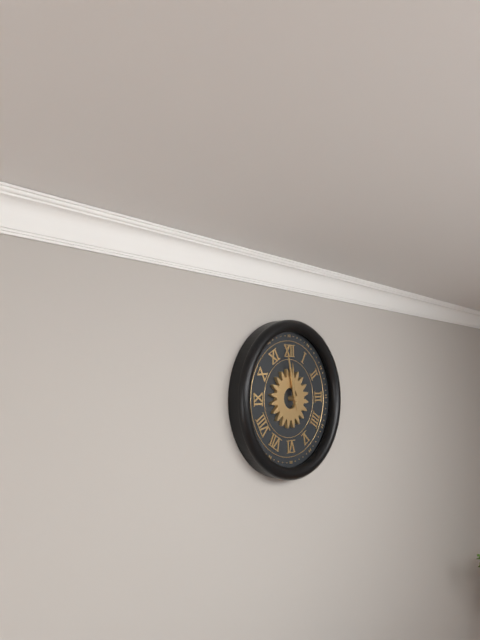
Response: 11:58
